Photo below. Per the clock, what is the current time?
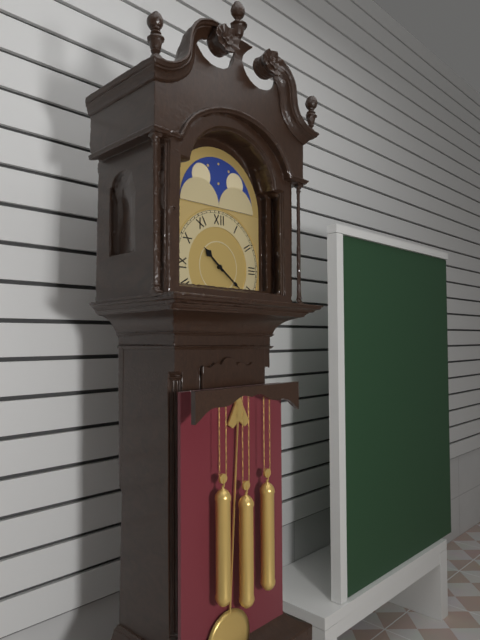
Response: 10:21
